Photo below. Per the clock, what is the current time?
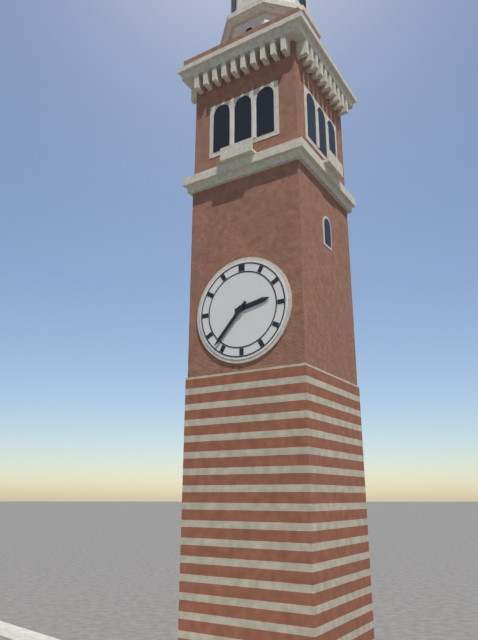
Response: 2:37
